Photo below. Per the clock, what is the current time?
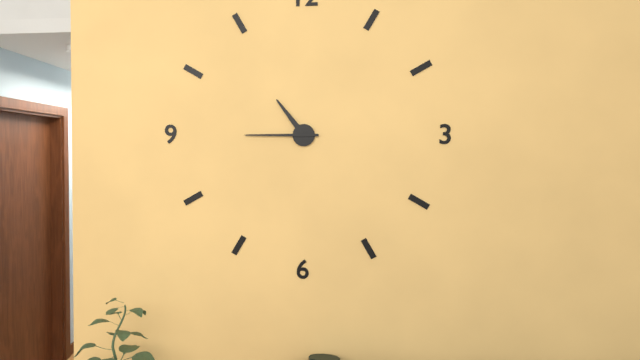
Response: 10:45
